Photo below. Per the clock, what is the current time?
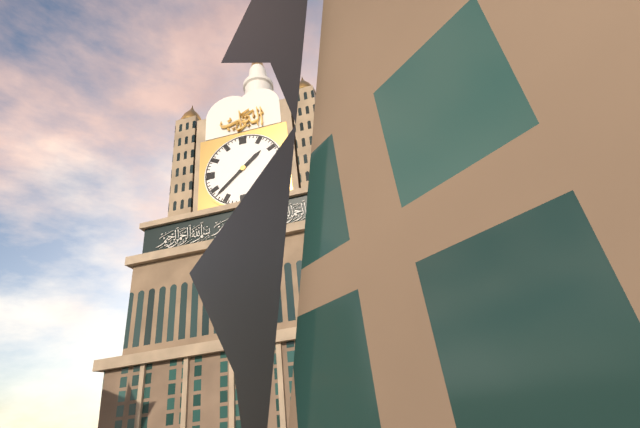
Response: 1:38
